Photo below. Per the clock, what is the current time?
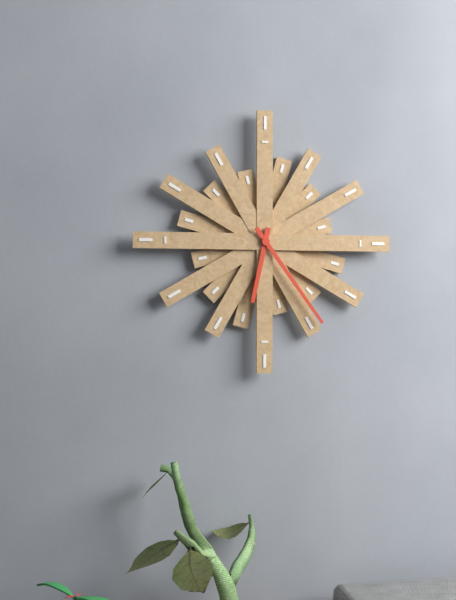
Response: 6:24
